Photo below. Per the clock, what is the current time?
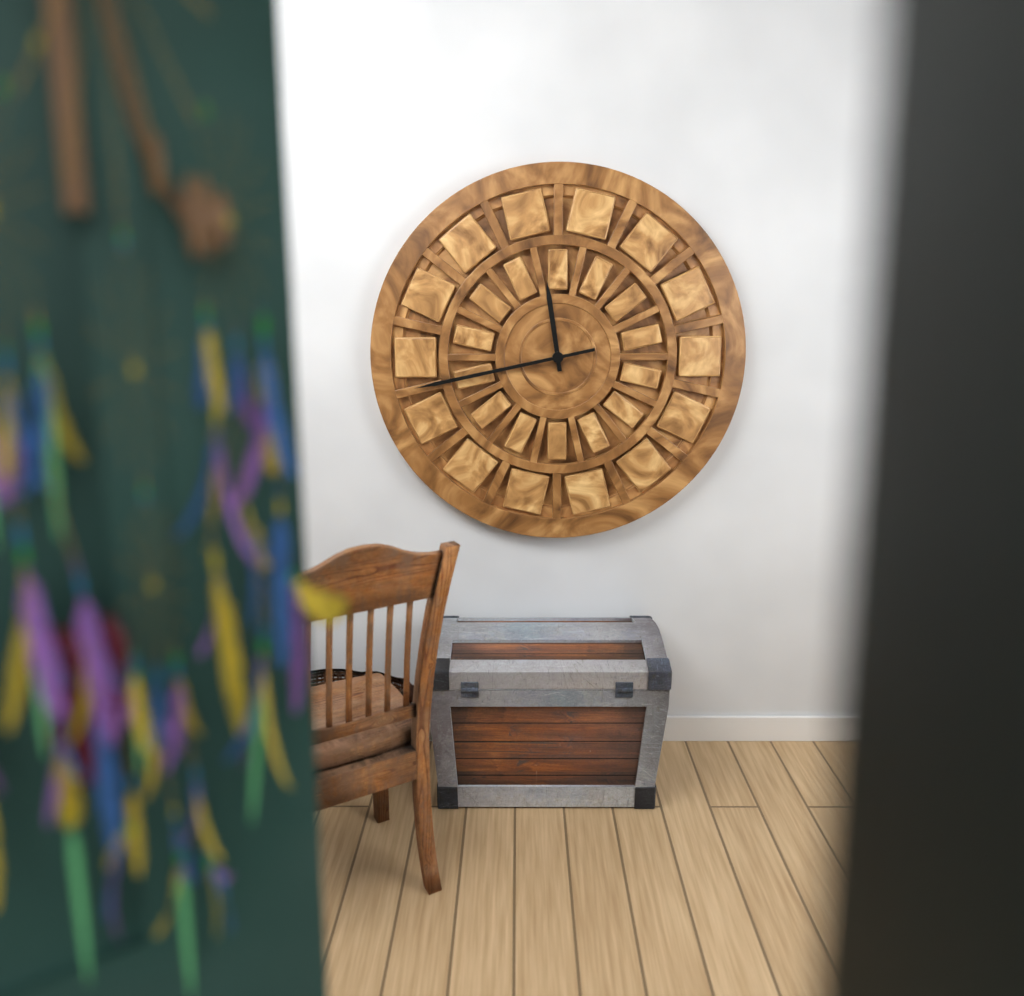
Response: 11:43
